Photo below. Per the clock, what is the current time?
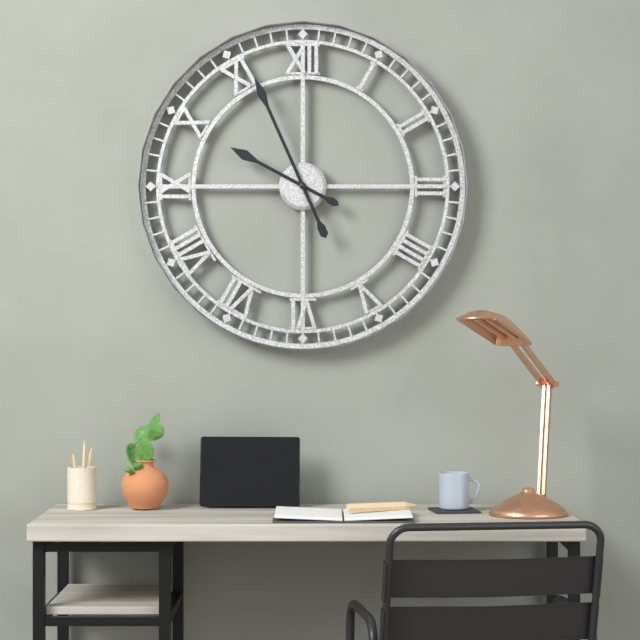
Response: 9:56
